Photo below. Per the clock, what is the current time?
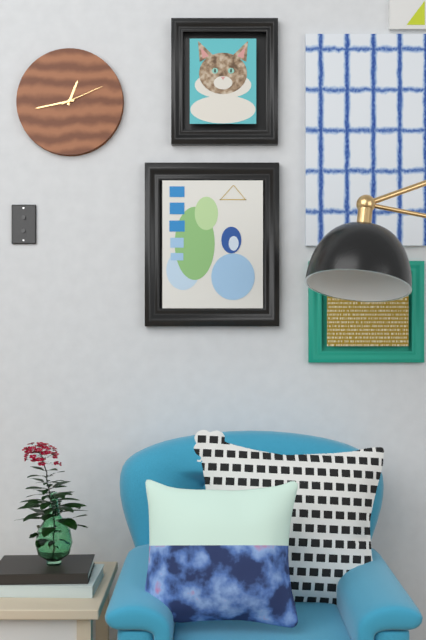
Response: 12:43
